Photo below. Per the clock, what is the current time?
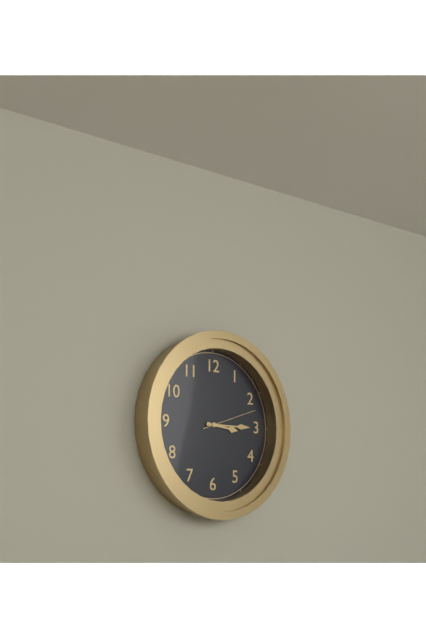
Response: 3:15:12
